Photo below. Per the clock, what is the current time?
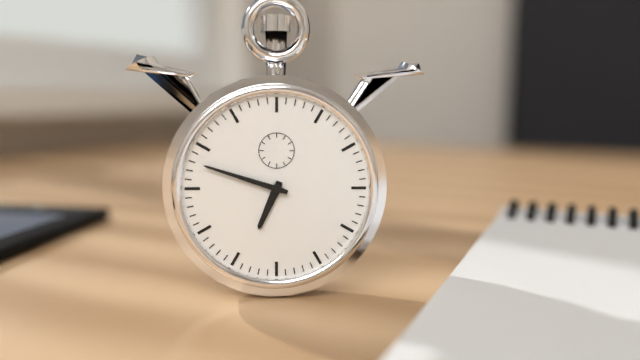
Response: 6:48
